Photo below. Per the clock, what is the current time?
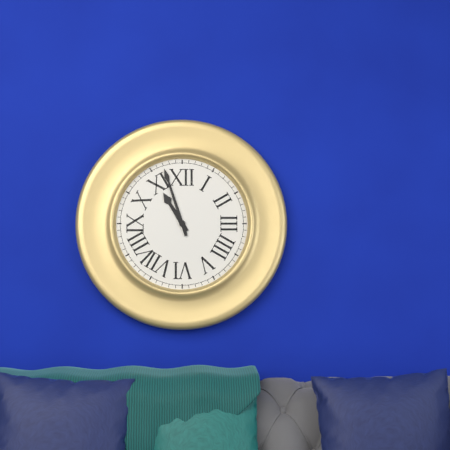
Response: 10:57
